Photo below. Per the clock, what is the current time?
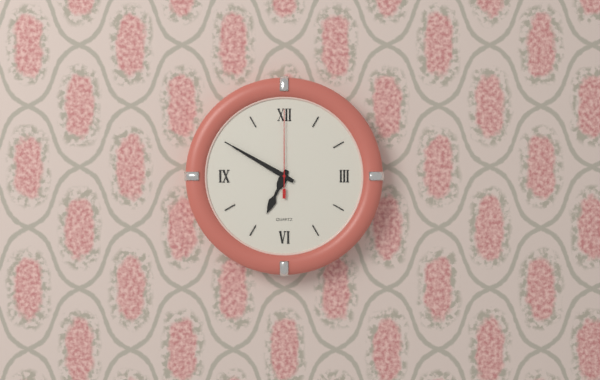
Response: 6:50:00
